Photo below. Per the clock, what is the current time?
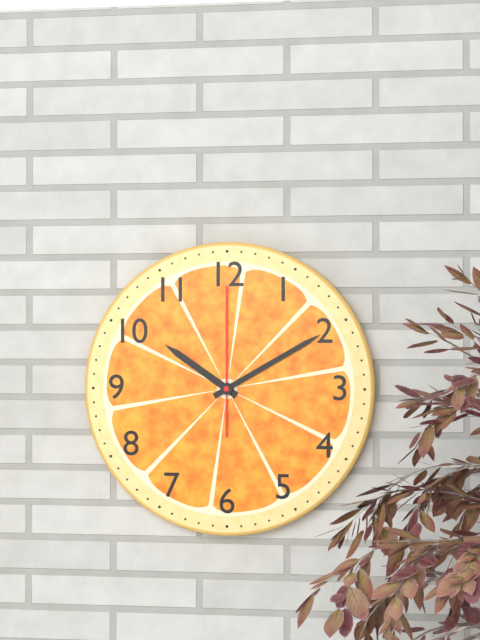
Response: 10:10:00
